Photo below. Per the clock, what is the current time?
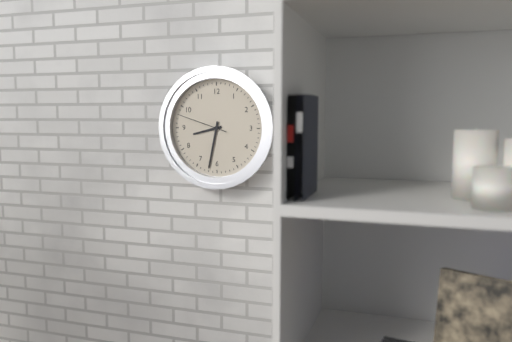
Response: 8:32:48
